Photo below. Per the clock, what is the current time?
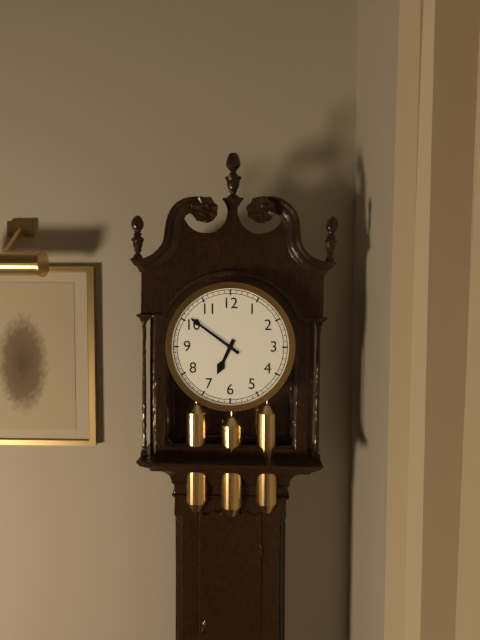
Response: 6:51
